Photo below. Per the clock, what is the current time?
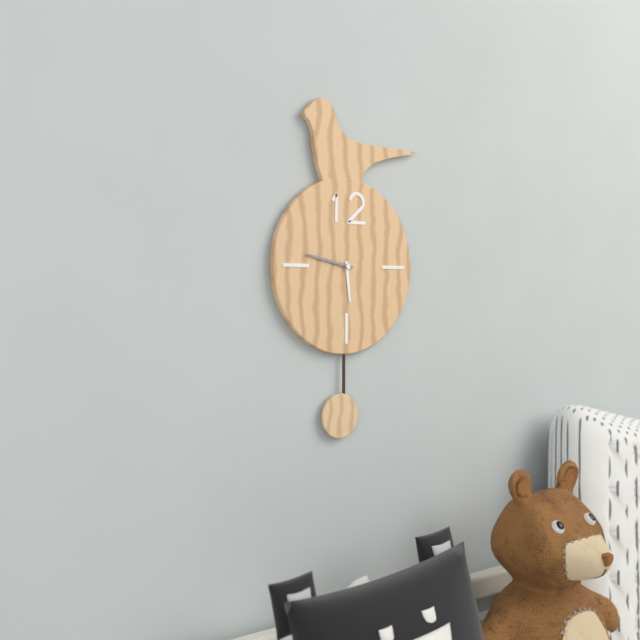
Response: 5:47
